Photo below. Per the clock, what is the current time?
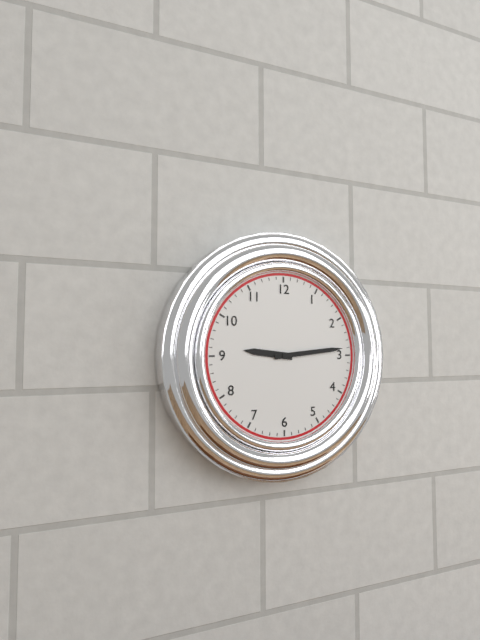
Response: 9:14
